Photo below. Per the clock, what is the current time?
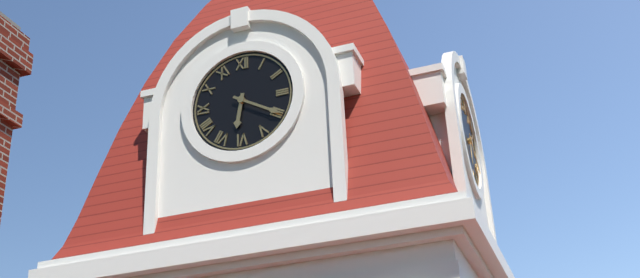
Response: 6:20
